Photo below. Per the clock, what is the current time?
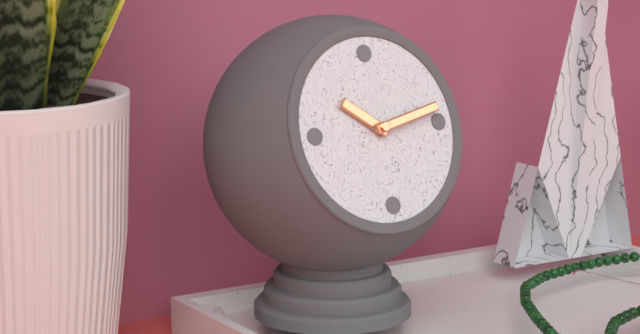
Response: 10:13
